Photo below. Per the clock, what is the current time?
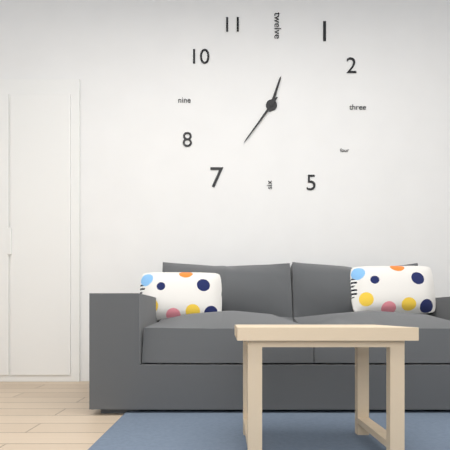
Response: 12:36
